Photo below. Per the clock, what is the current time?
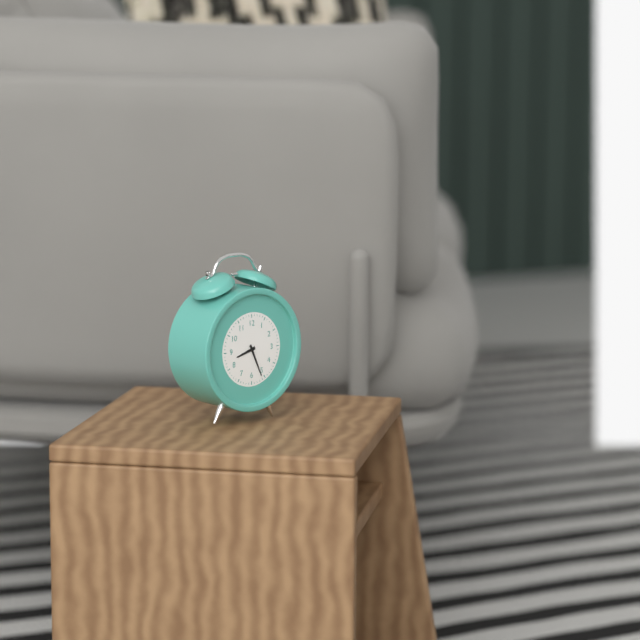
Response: 8:26
